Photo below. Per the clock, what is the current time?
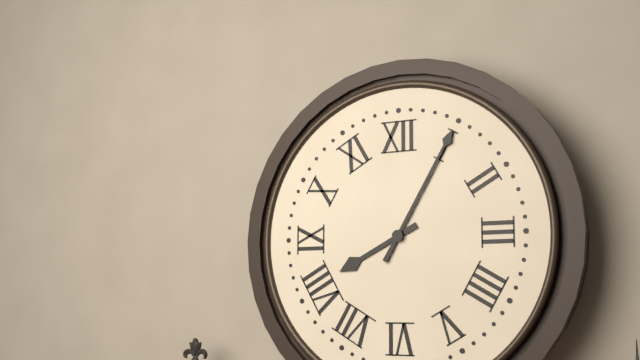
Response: 8:05
